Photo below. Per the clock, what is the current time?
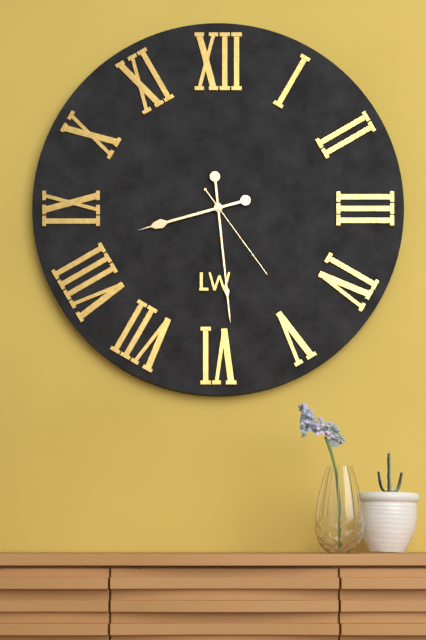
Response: 8:29:24
